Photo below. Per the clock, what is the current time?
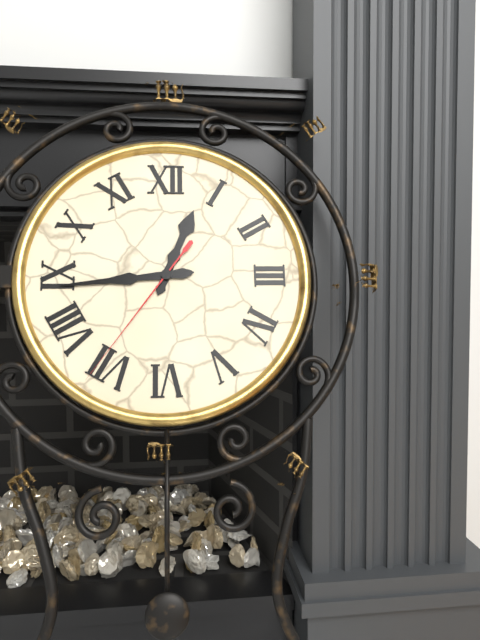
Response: 12:44:36
